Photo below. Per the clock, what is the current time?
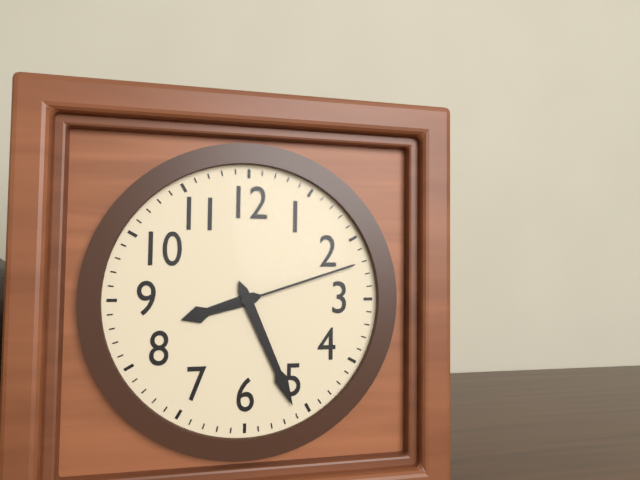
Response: 8:26:12
